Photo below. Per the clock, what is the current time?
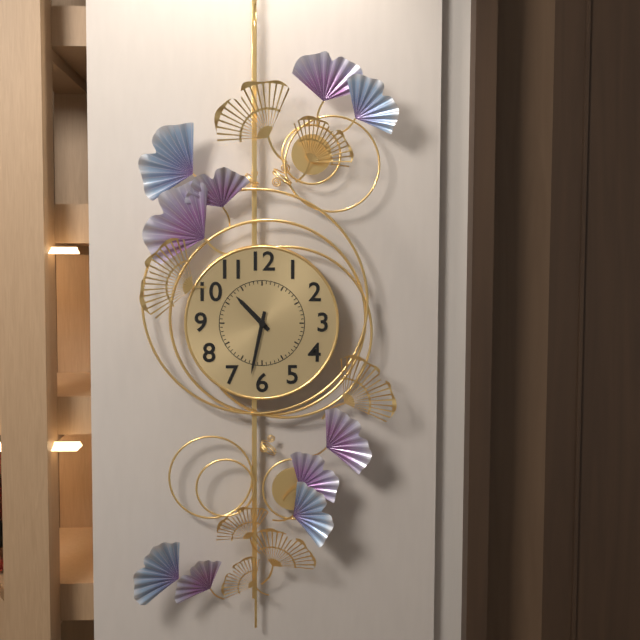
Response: 10:32
